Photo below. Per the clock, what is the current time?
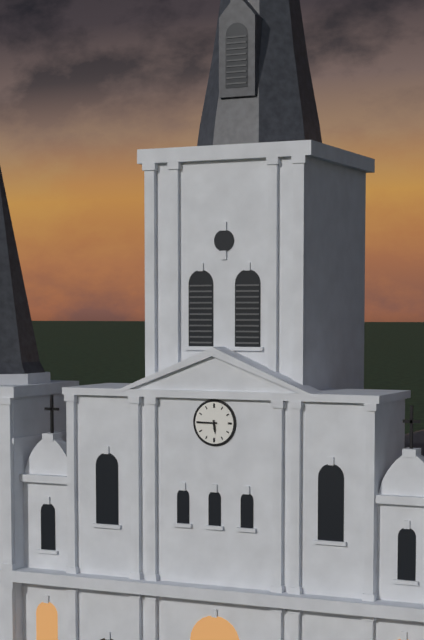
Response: 5:45
